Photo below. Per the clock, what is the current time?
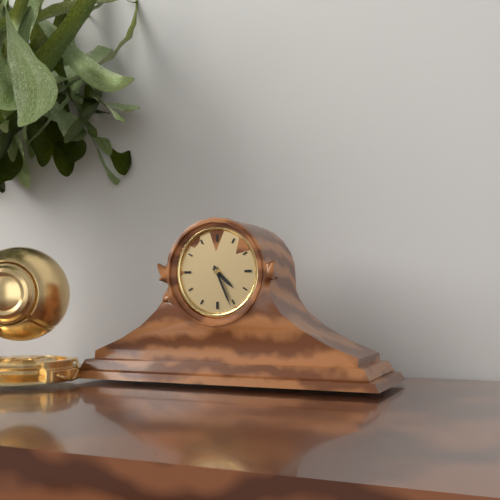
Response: 4:26
